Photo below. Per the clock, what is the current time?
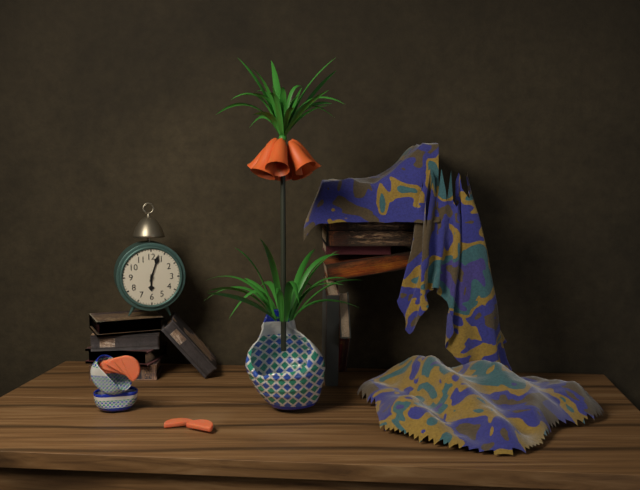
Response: 6:03
